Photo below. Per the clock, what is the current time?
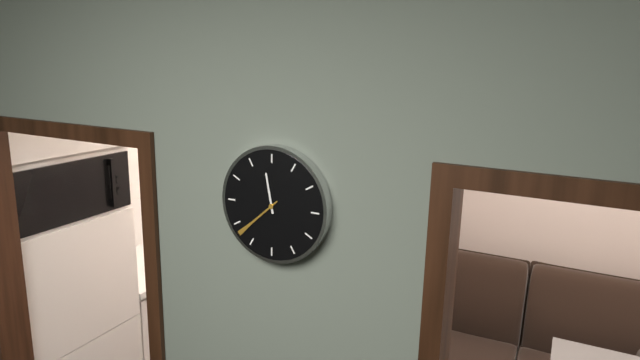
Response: 11:38
